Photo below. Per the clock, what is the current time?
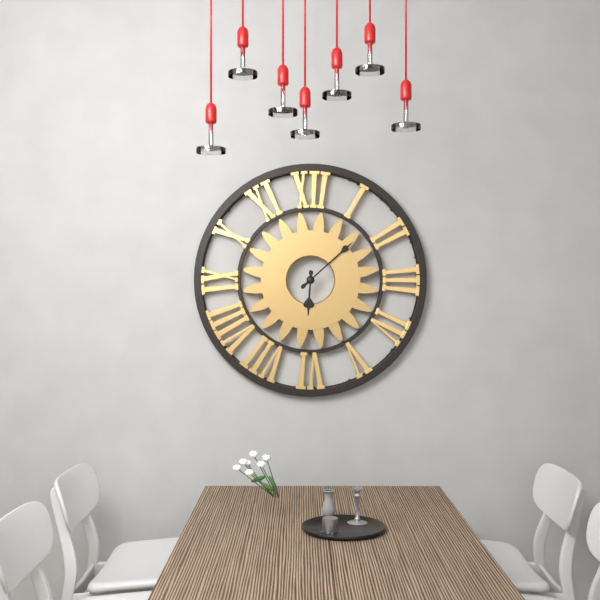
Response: 6:08
